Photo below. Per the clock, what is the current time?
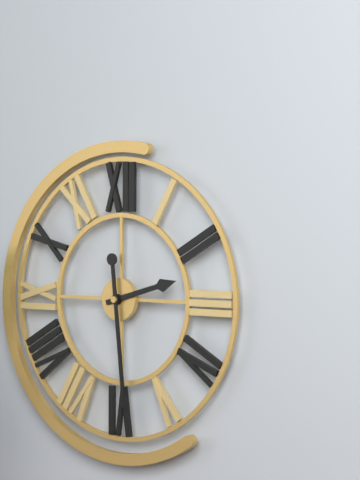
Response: 2:29
